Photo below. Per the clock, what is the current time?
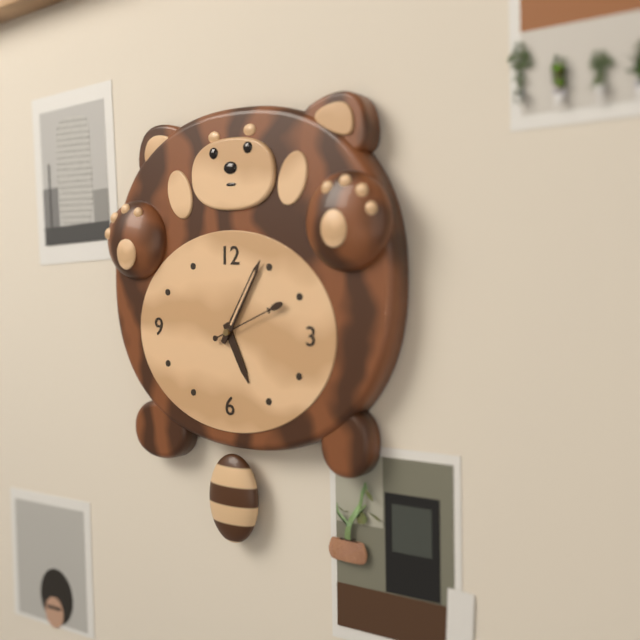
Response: 5:05:11
